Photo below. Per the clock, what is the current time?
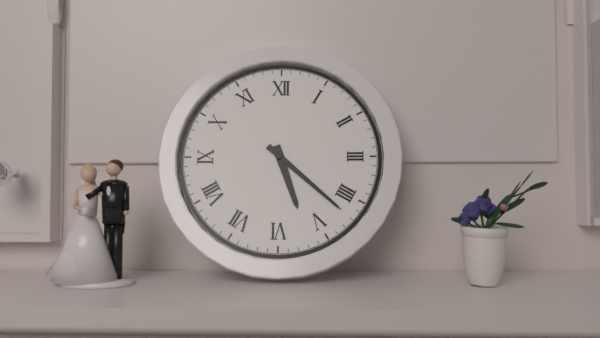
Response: 5:22
